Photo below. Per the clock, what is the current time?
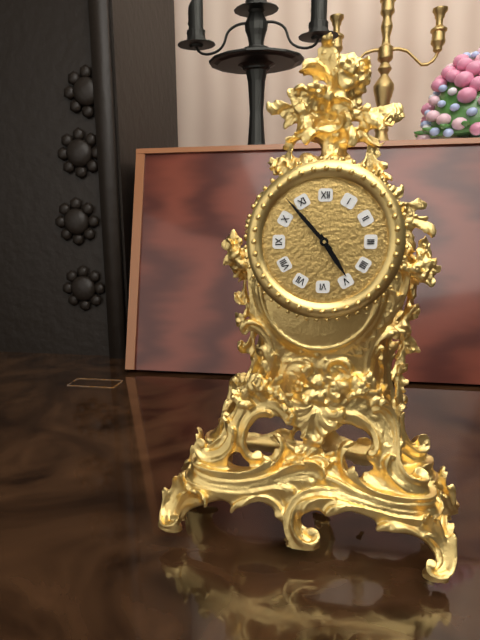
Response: 4:53
